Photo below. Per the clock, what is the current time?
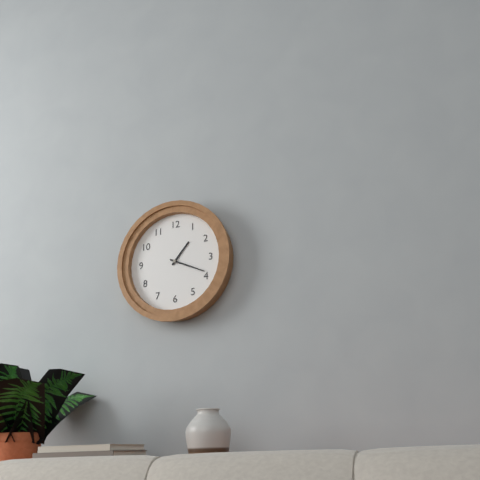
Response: 1:19
